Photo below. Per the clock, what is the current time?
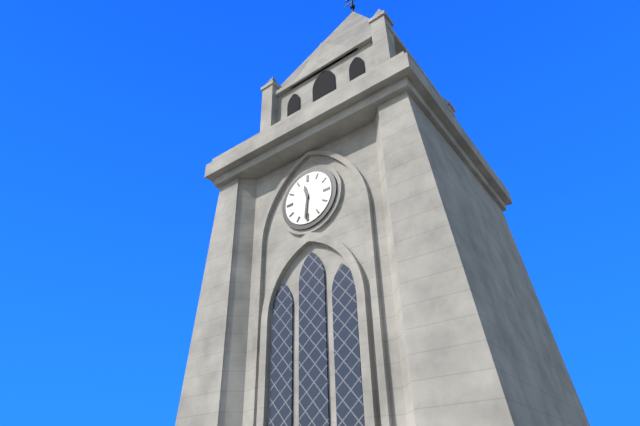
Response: 11:31
